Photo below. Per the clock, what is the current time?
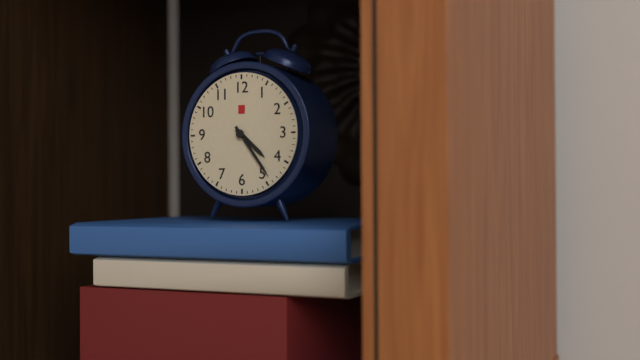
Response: 4:24
